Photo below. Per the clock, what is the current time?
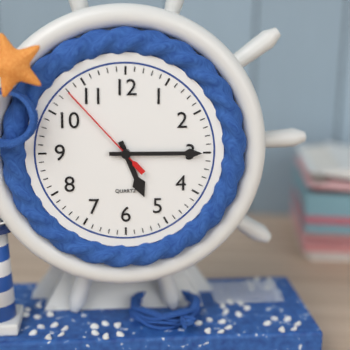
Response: 5:15:53
